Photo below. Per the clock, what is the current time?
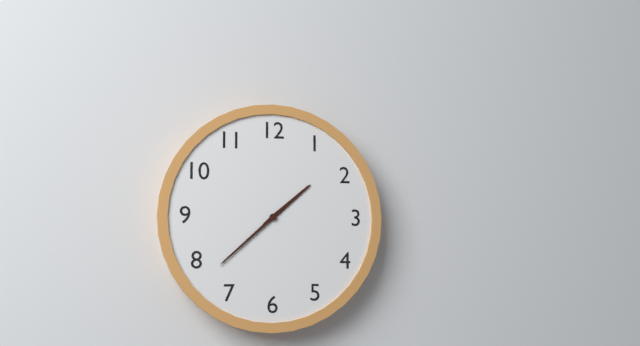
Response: 1:38
